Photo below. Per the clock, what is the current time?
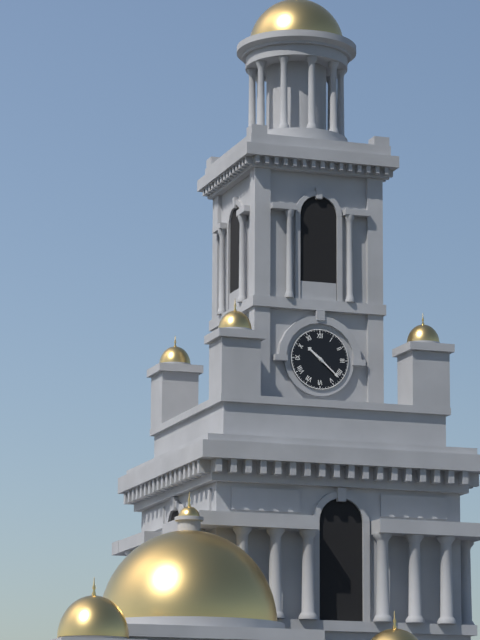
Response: 10:22
